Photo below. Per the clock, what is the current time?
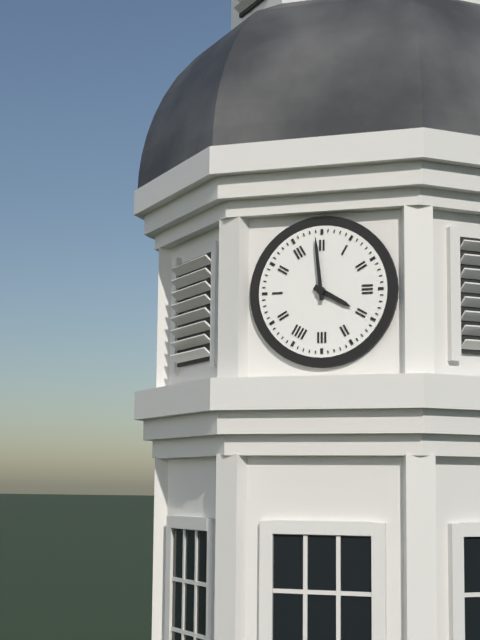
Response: 3:59
